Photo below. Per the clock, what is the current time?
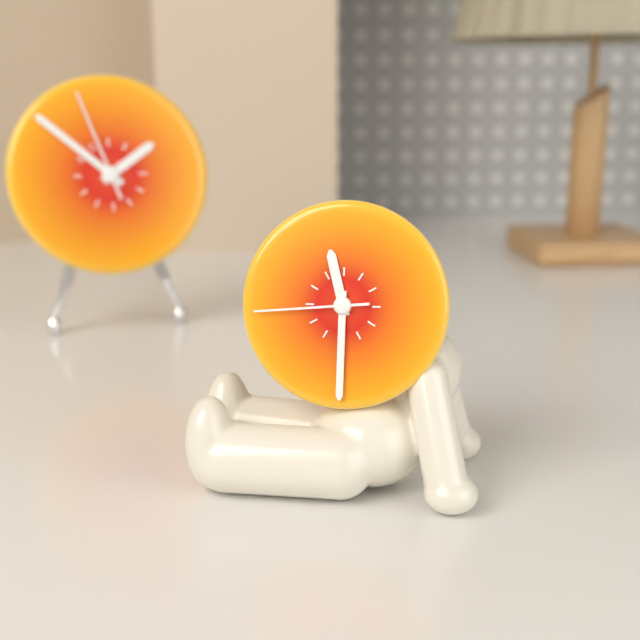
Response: 11:30:44
